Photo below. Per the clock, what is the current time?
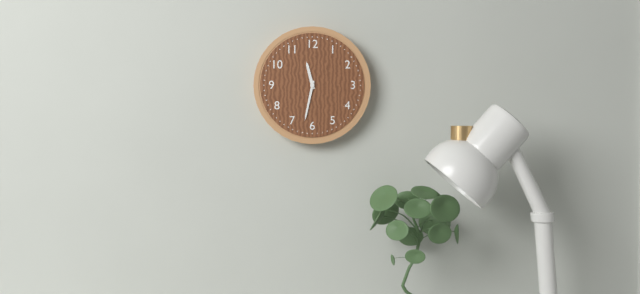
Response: 11:32
